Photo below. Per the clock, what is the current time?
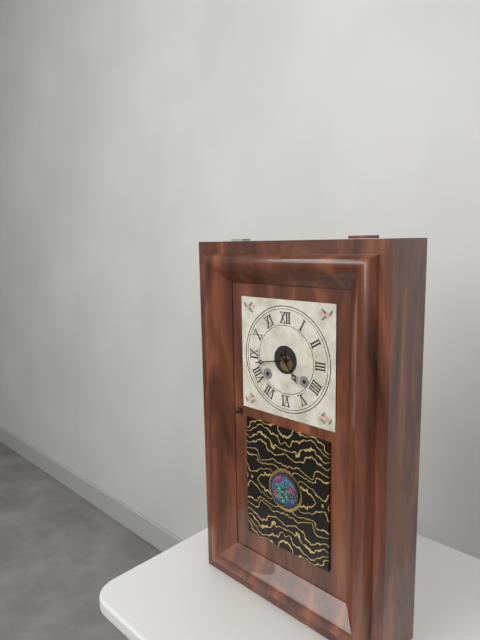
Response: 4:43
